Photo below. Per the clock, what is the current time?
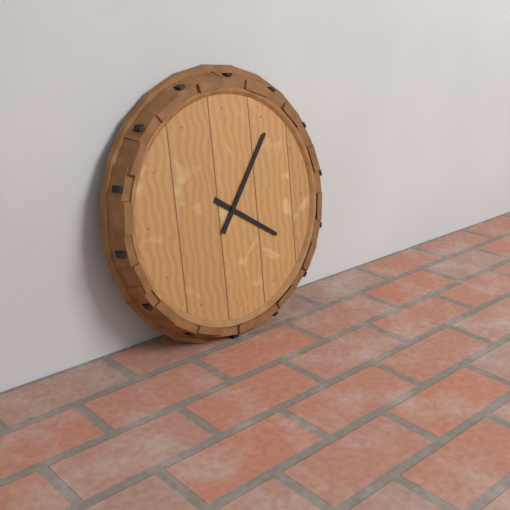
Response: 4:06
